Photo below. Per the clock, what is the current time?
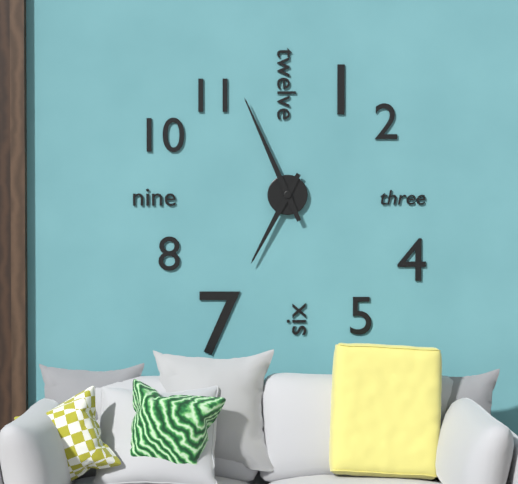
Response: 6:56
